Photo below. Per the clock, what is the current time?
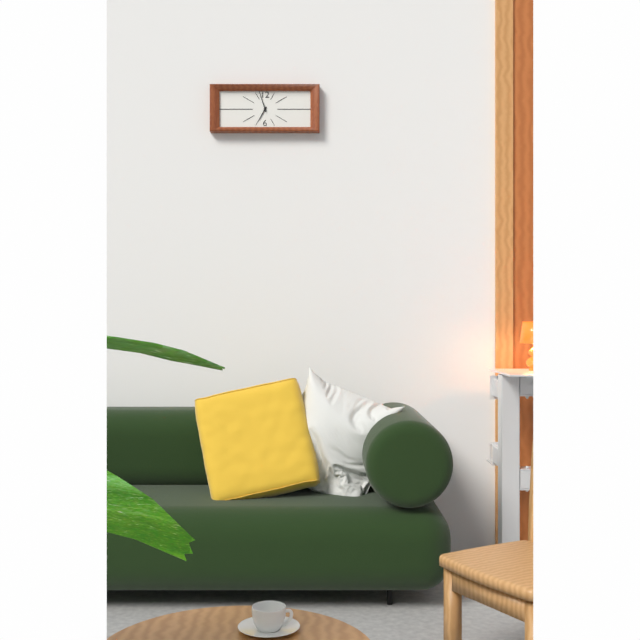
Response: 6:57
